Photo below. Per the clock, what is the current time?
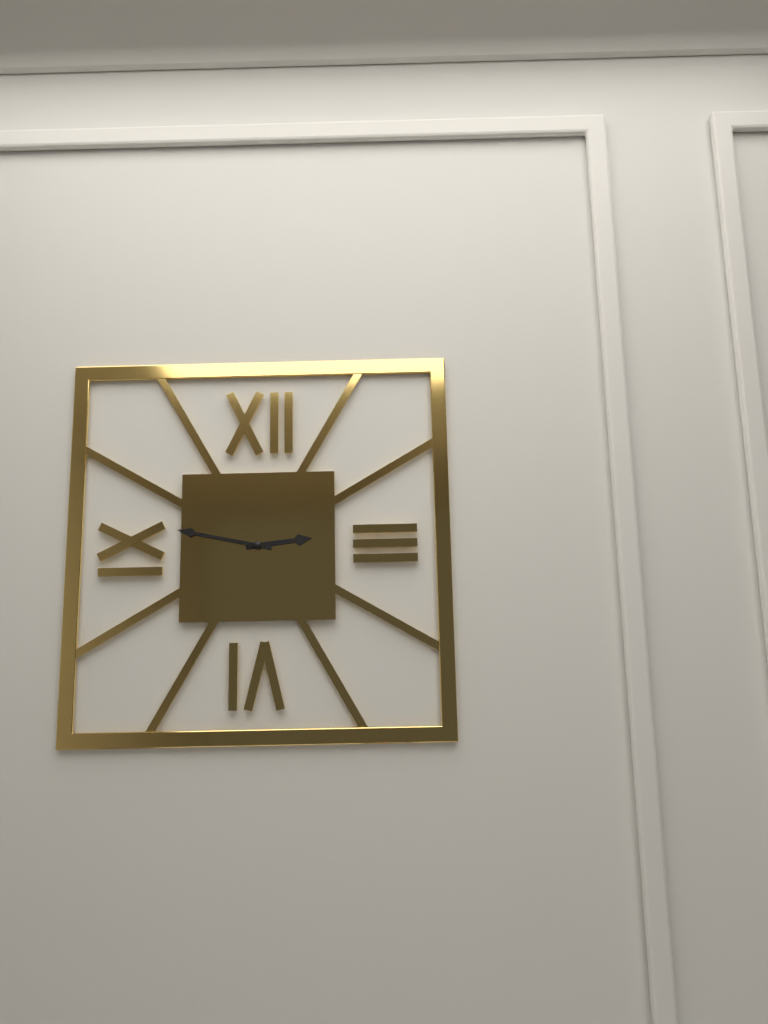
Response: 2:47
